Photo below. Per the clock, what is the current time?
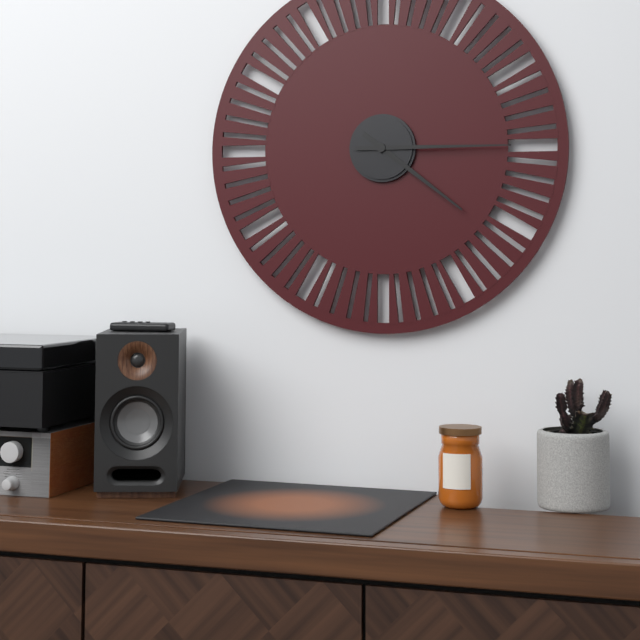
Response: 4:15
